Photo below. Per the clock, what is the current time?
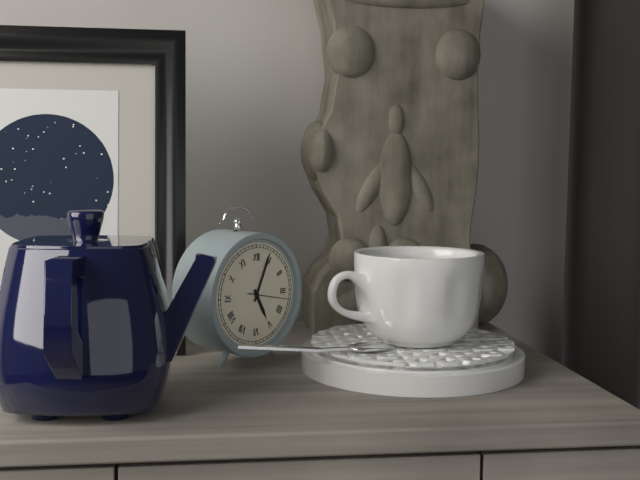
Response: 5:04
